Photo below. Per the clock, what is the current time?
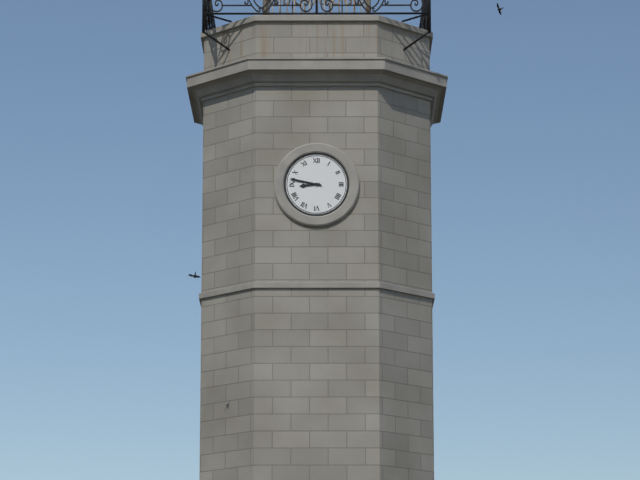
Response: 8:47
